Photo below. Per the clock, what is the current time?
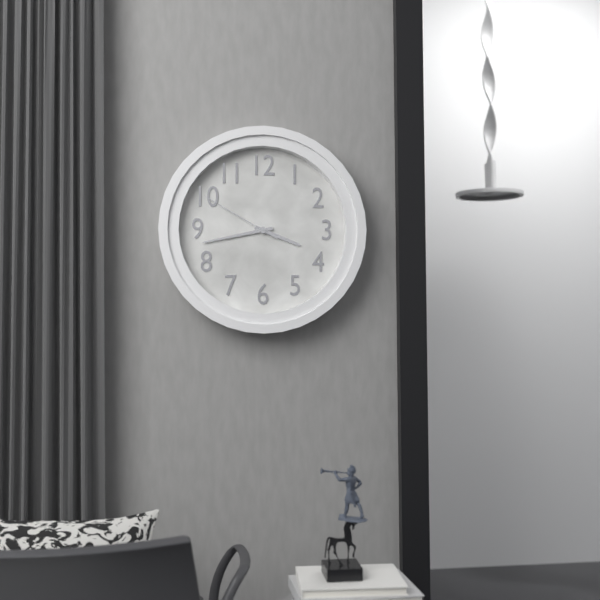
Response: 3:43:50
